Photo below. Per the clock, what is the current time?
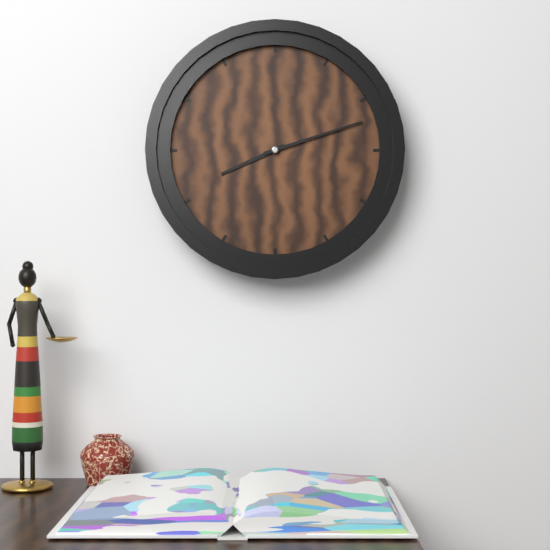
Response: 8:12
